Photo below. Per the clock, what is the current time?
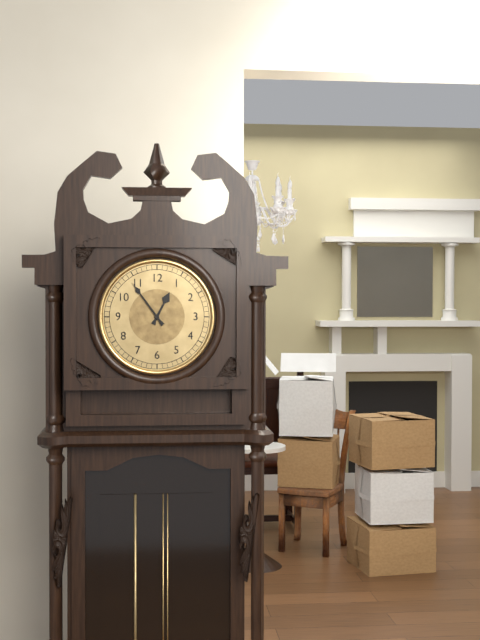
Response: 12:54
